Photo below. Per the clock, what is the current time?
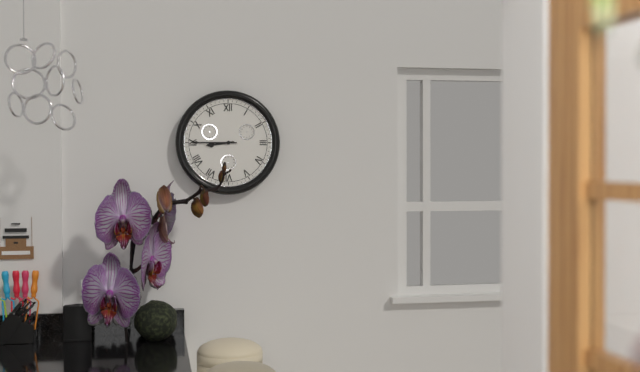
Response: 8:45
